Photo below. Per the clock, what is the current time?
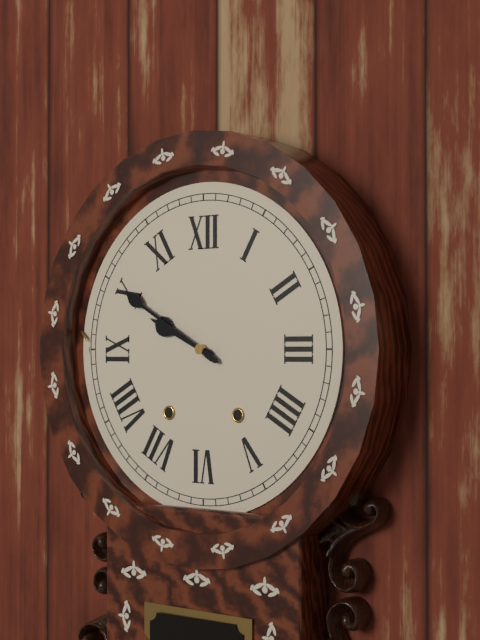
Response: 9:50
